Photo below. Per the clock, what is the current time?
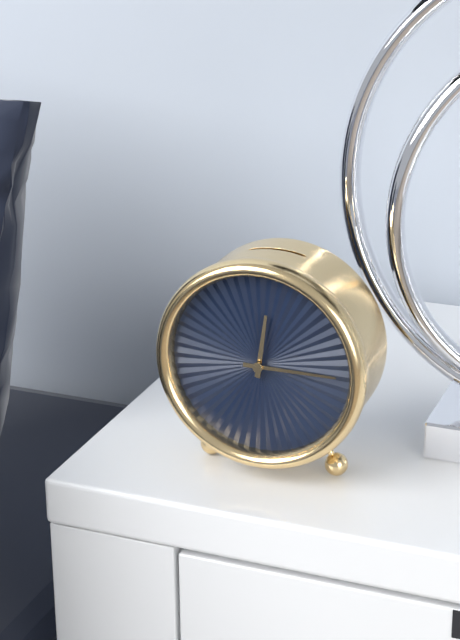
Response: 12:15
